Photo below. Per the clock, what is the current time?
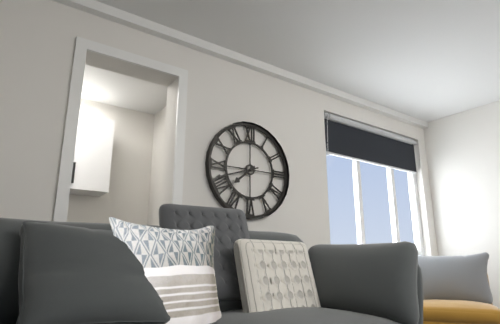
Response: 7:42
